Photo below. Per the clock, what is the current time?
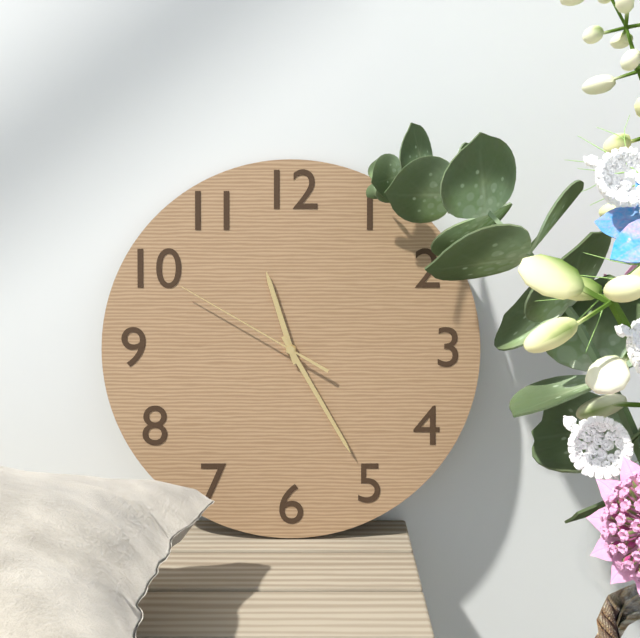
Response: 11:25:50
